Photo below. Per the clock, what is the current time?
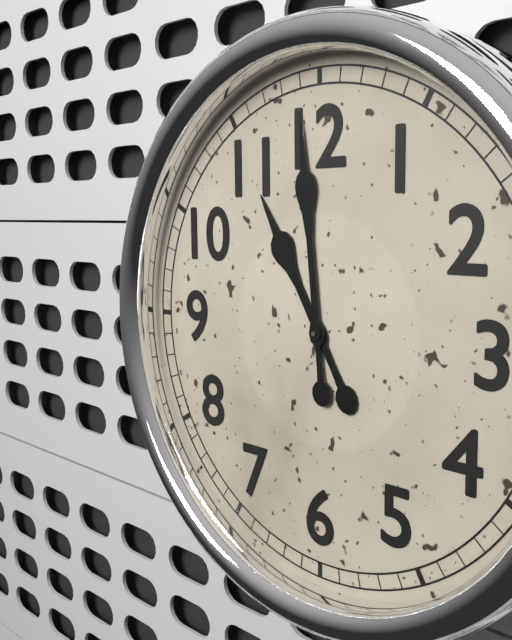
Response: 10:59
